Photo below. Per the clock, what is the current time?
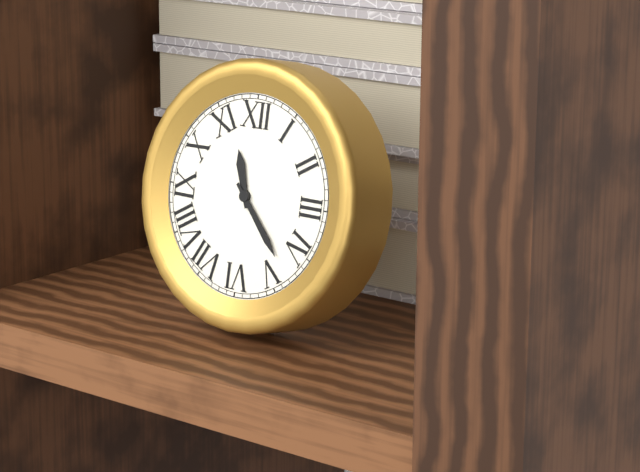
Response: 11:23
